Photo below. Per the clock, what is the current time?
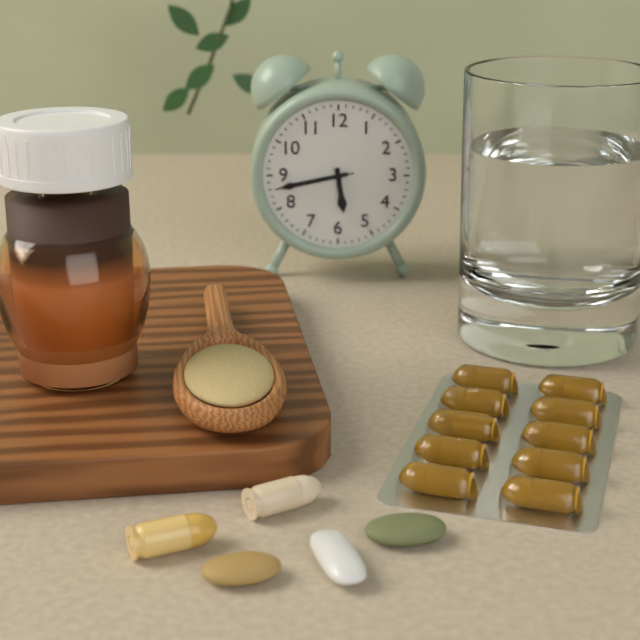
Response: 5:43:43
